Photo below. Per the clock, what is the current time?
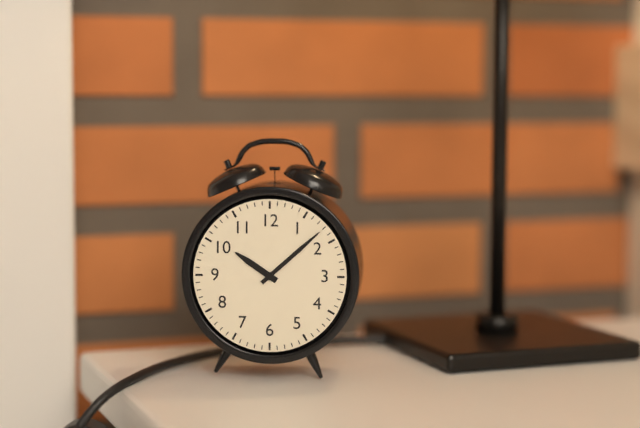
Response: 10:08
